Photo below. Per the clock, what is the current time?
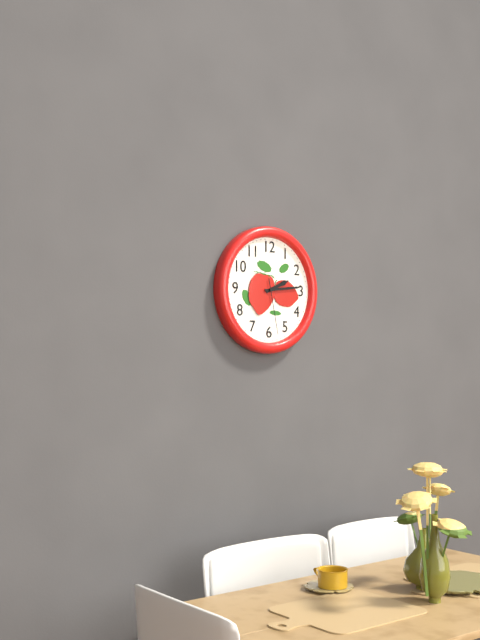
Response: 2:14:28
